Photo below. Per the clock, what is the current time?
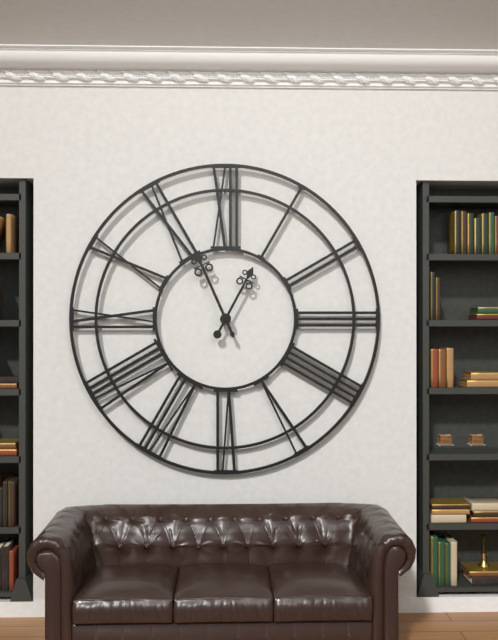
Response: 12:56
